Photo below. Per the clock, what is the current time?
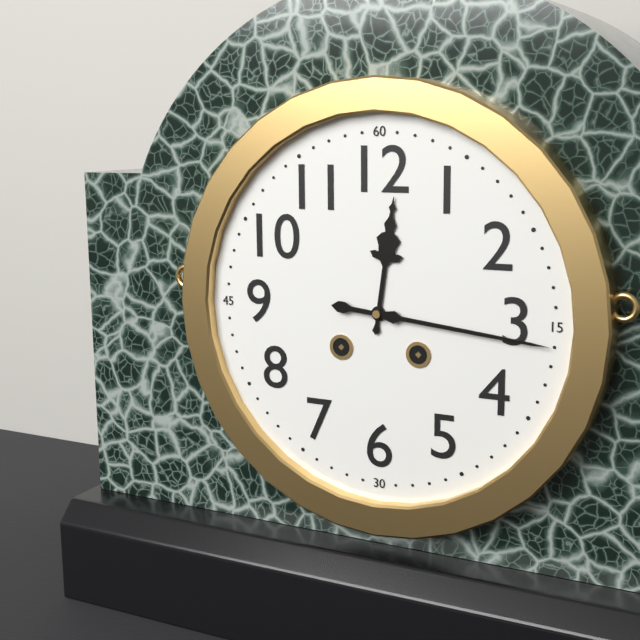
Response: 12:16
